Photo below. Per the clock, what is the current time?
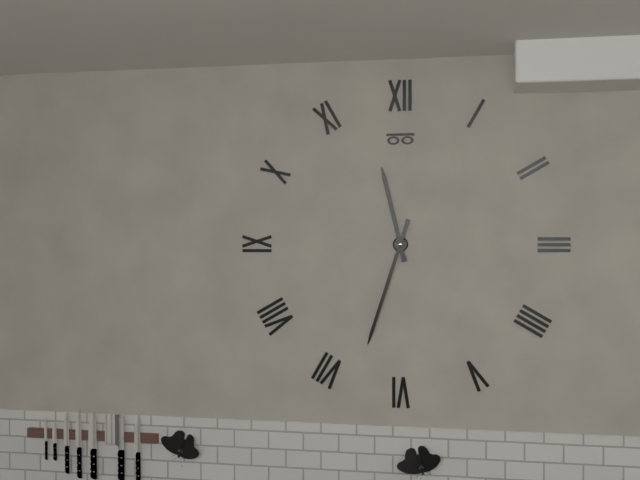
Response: 11:33
